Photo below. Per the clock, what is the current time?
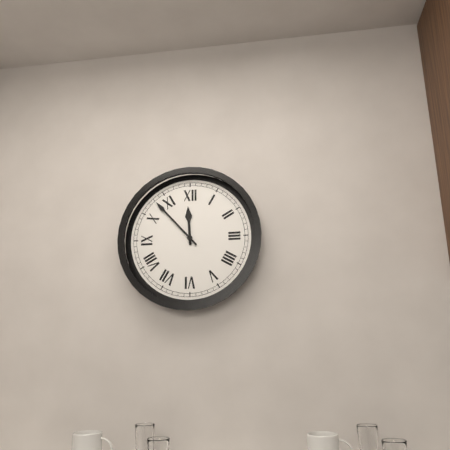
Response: 11:53
